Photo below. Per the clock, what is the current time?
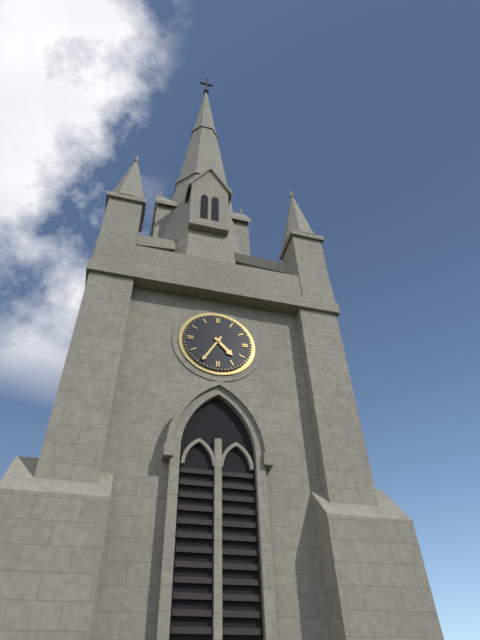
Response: 4:35
